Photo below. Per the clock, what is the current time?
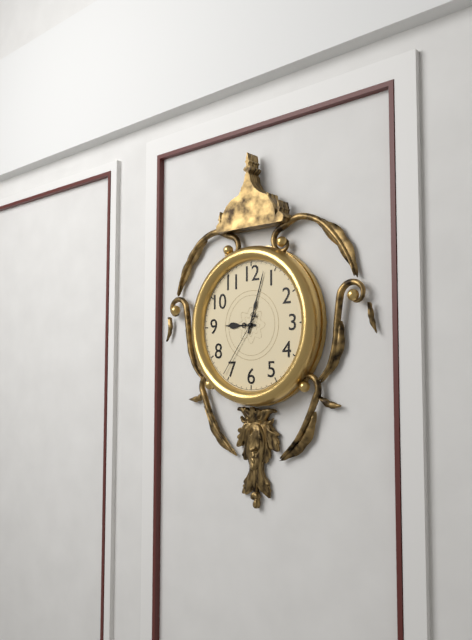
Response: 9:03:36
